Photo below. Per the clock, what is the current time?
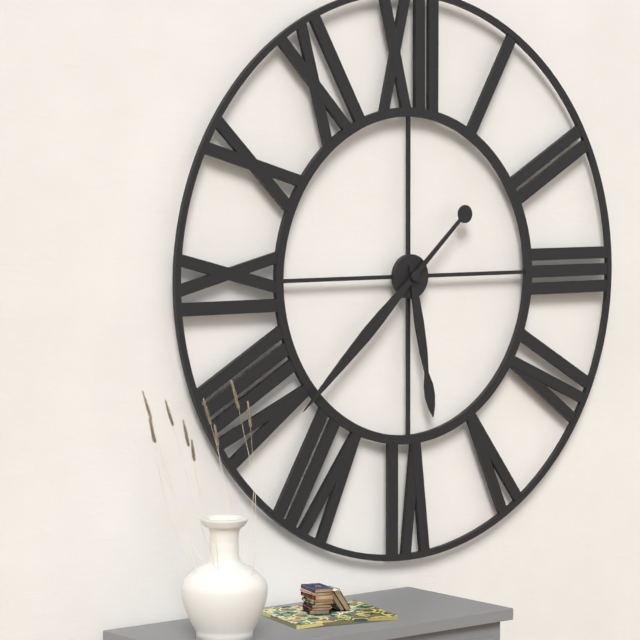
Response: 5:38
